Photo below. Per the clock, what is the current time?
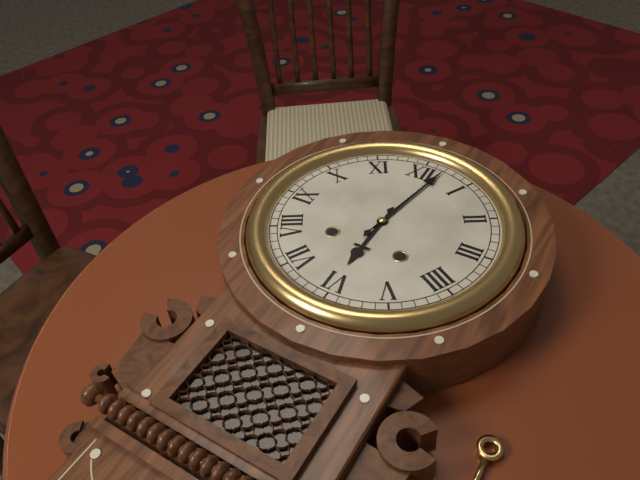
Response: 6:02
